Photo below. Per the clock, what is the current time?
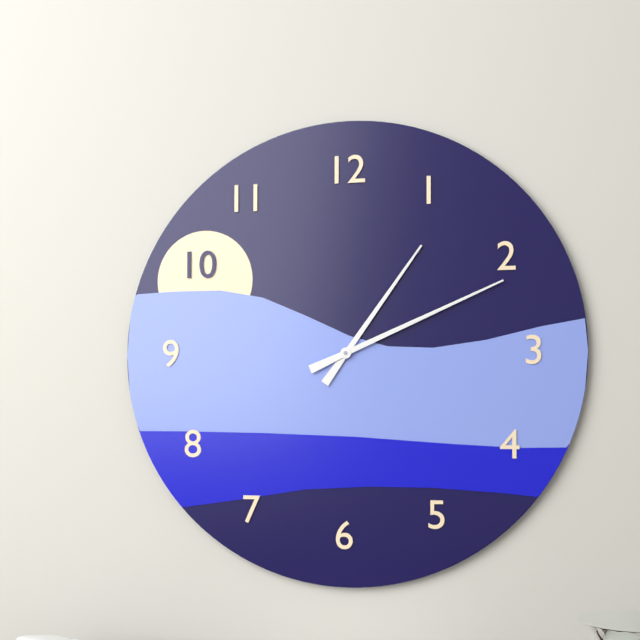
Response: 1:11
